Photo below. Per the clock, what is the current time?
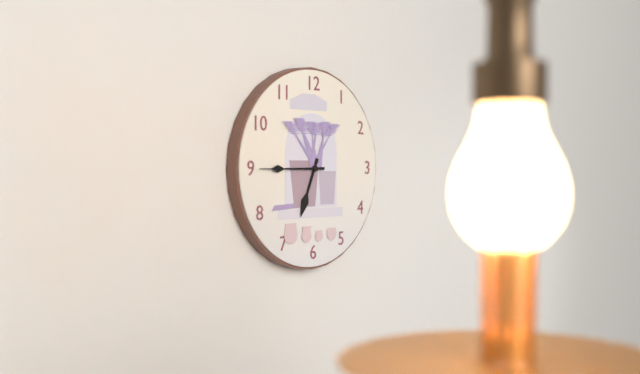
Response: 6:45
